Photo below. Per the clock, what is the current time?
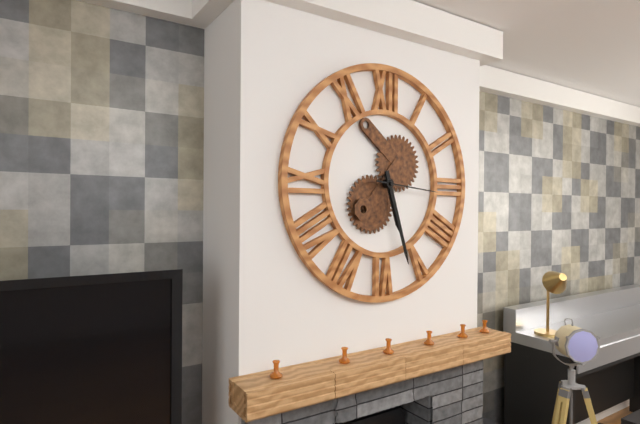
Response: 5:27:16
